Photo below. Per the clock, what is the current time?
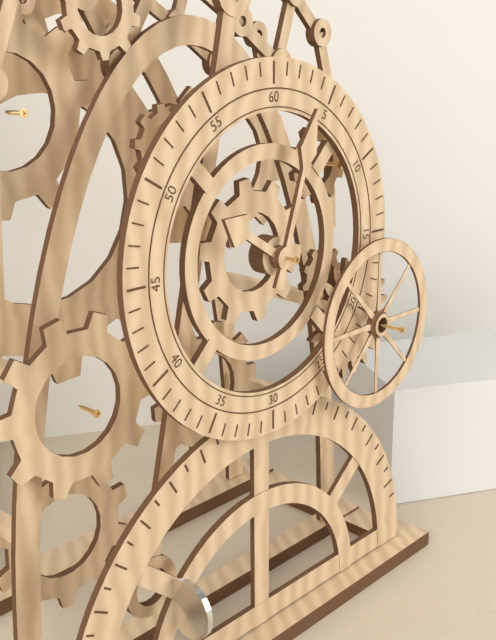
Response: 10:03
